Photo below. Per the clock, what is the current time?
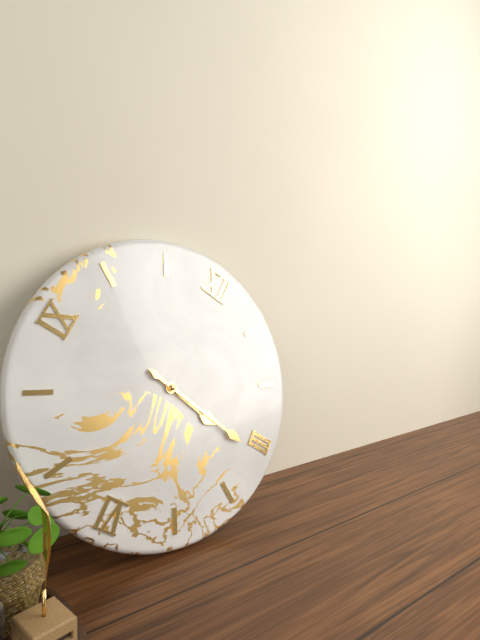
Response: 3:16
